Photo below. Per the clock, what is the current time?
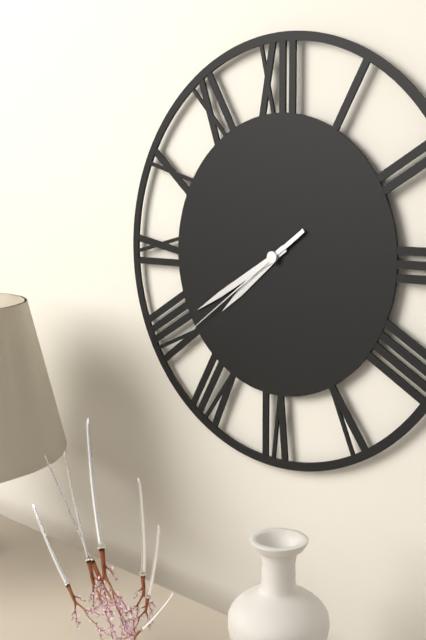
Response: 7:40:39
